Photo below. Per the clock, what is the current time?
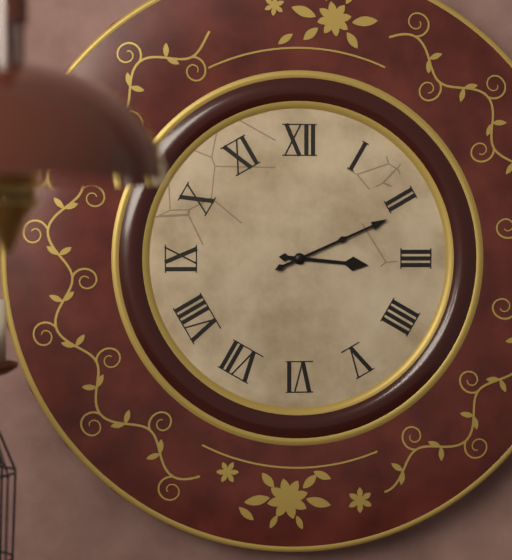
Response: 3:11
